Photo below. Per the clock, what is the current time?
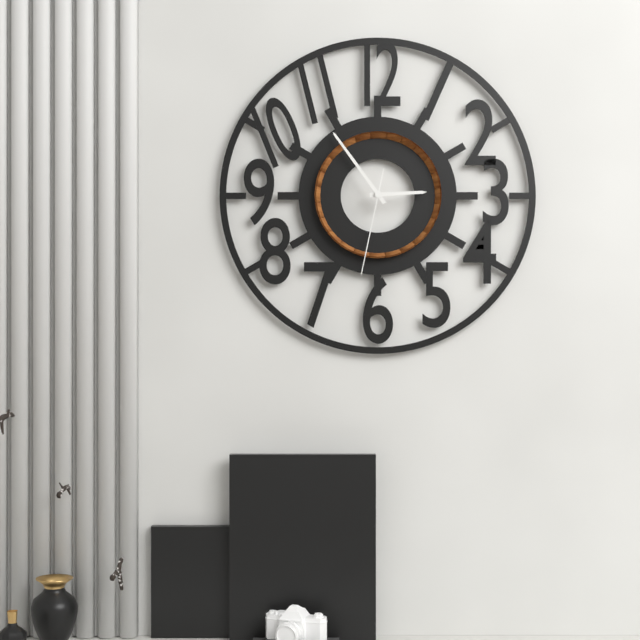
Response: 2:54:32
